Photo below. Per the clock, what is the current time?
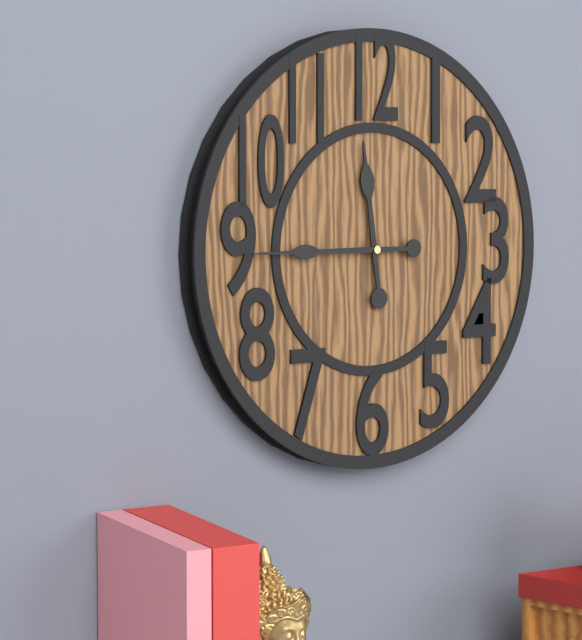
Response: 11:45
